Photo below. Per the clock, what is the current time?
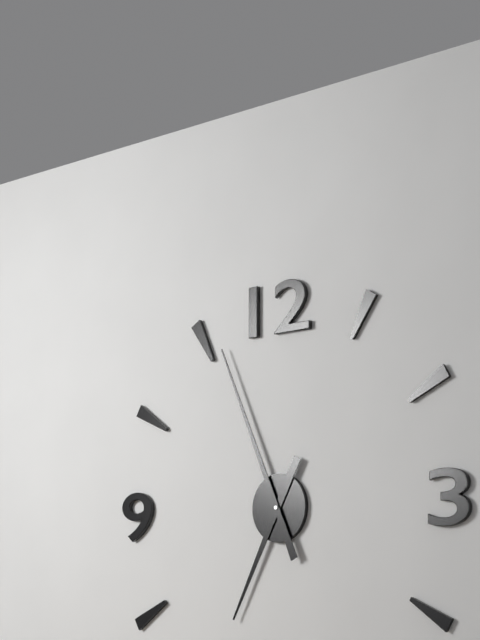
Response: 6:56
